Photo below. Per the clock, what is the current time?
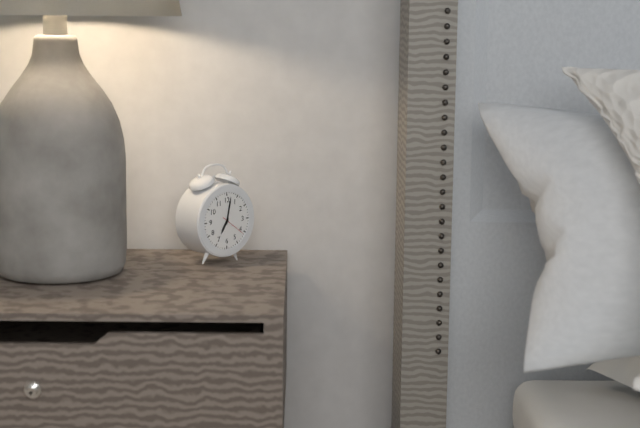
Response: 7:02
